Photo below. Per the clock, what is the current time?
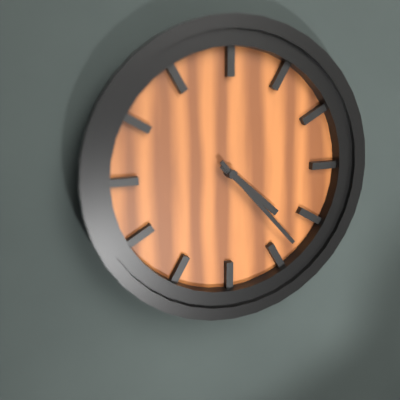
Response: 4:23
